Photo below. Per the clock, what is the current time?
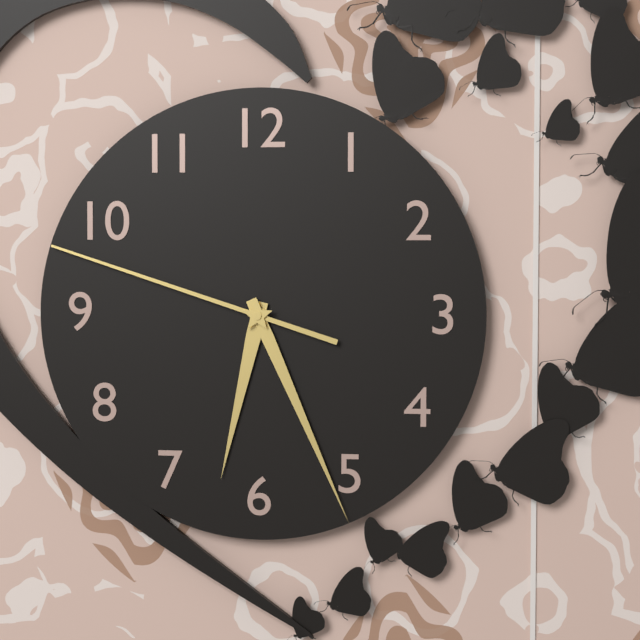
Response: 6:26:48
